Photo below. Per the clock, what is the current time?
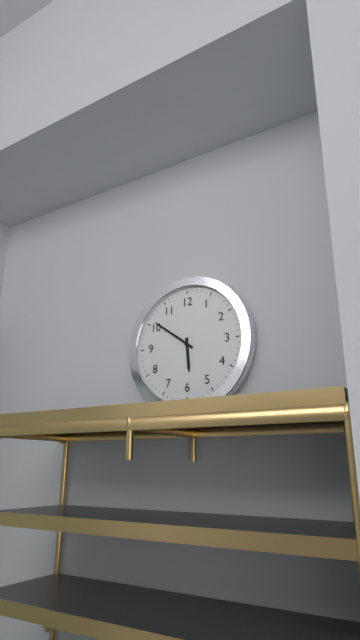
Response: 5:51
